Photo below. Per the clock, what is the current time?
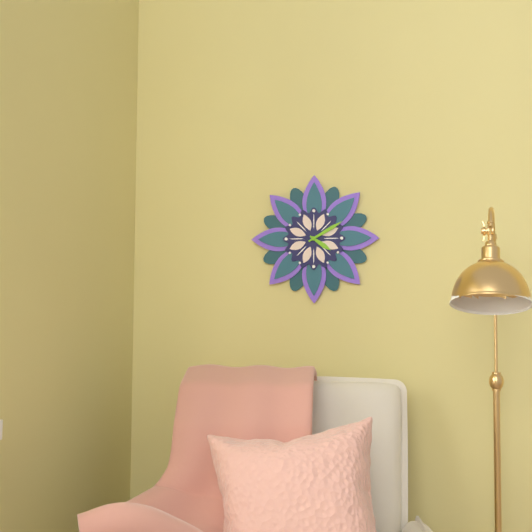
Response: 4:10
